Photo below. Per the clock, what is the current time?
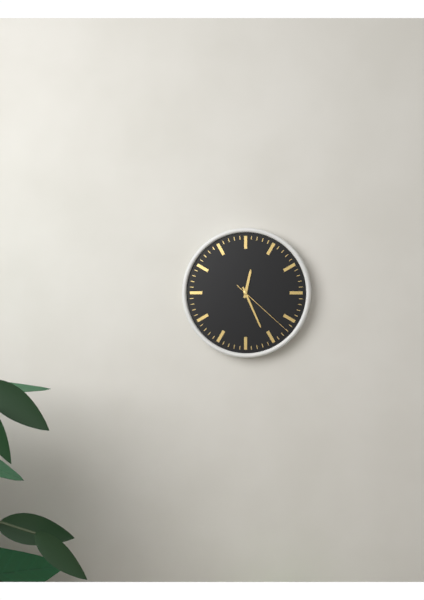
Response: 12:26:22
